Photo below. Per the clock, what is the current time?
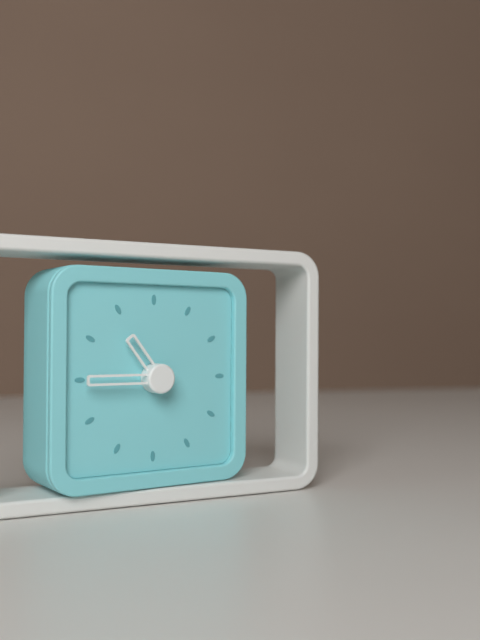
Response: 10:45
